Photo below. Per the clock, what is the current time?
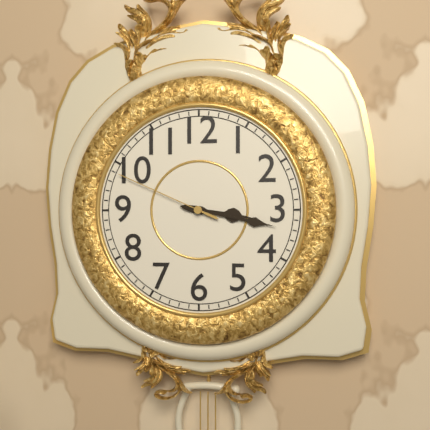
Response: 3:17:49
